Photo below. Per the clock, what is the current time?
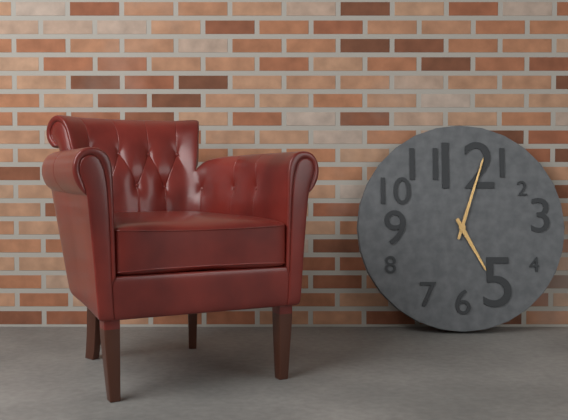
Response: 5:03
